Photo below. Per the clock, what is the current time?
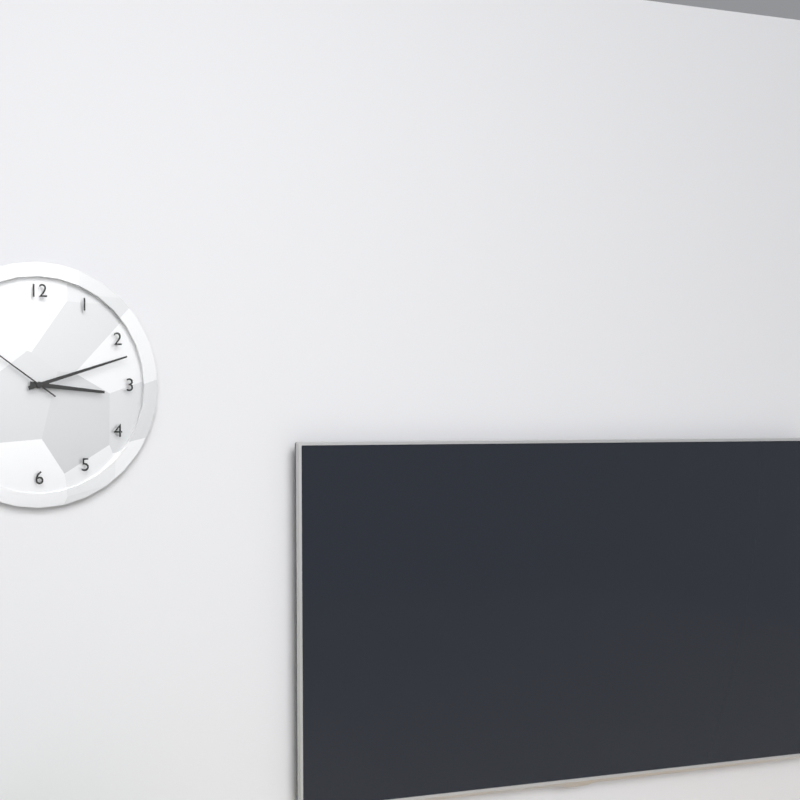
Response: 3:12
